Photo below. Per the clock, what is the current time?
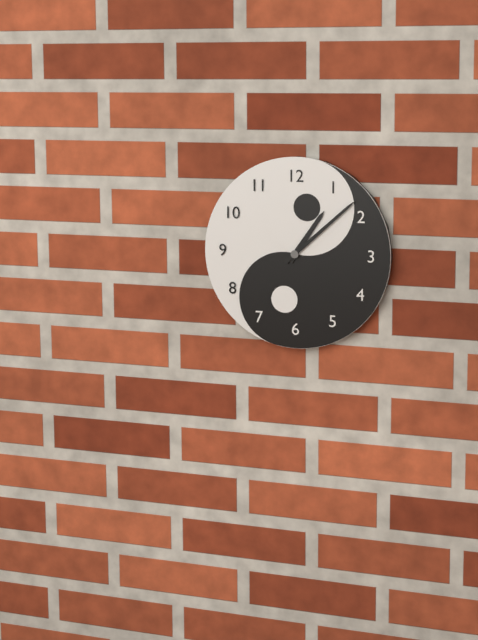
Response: 1:08
